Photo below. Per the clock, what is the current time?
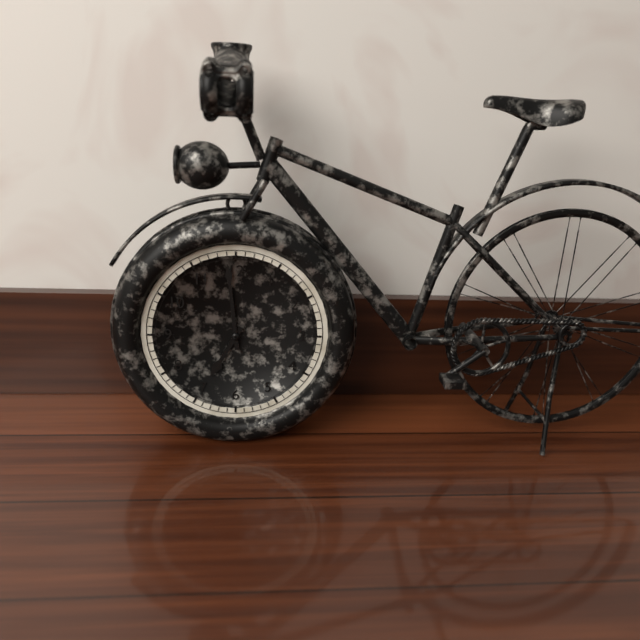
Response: 6:59
